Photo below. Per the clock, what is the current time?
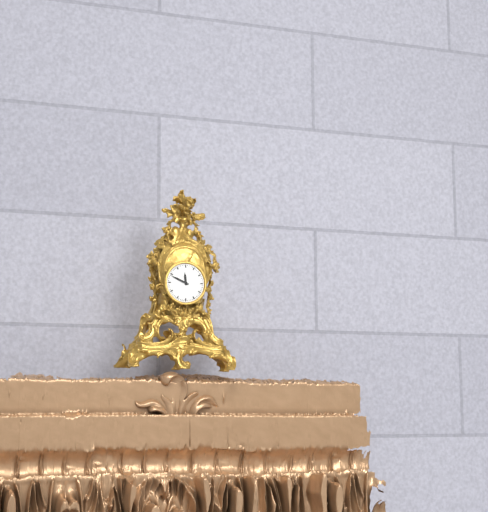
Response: 11:49
